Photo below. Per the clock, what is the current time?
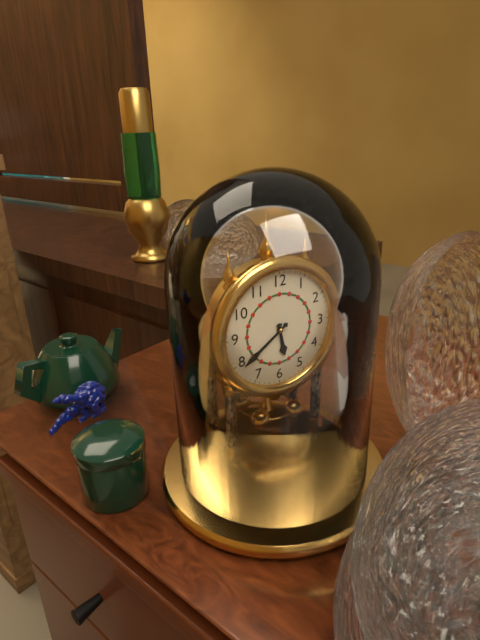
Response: 5:39
